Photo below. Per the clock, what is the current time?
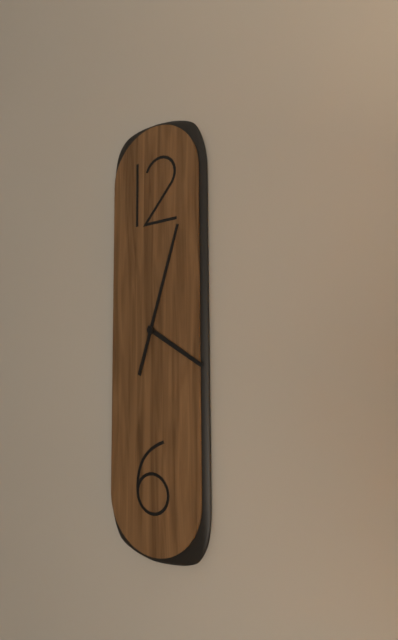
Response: 4:03
